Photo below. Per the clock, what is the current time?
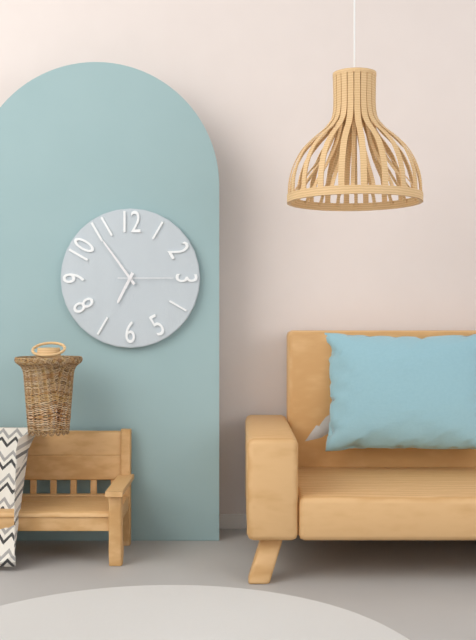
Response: 6:54:15
